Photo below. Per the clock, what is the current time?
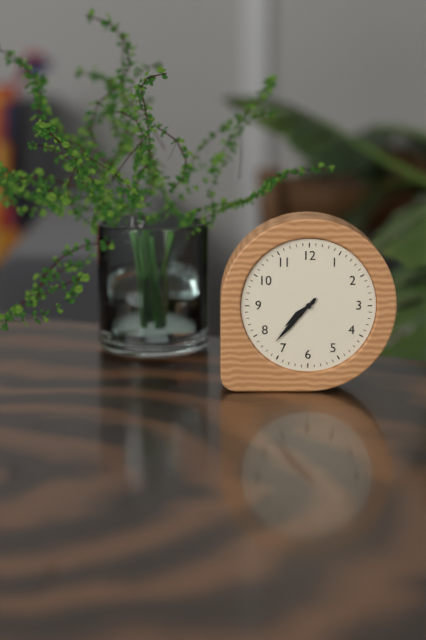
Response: 7:37
